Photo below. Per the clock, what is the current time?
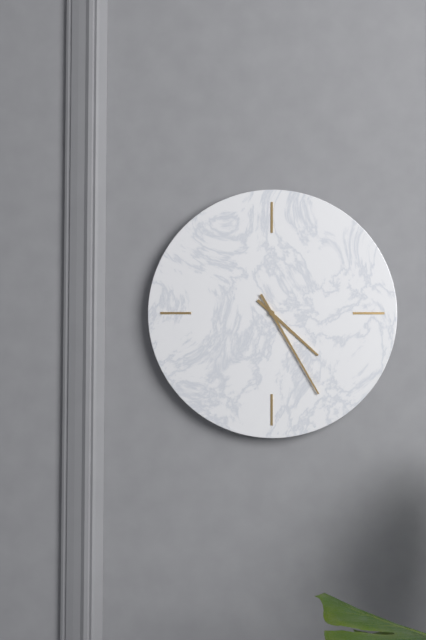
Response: 4:25
